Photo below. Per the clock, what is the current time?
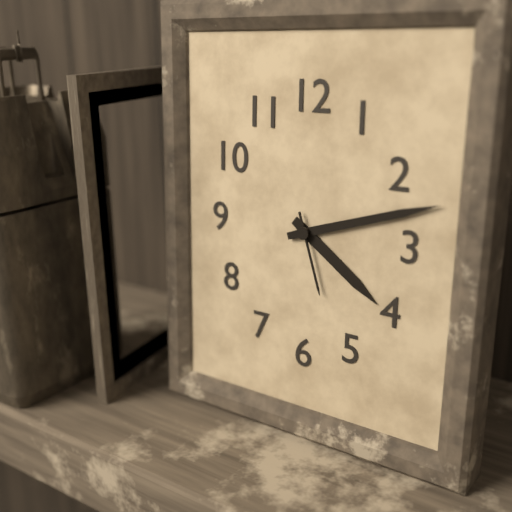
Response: 4:12:27
